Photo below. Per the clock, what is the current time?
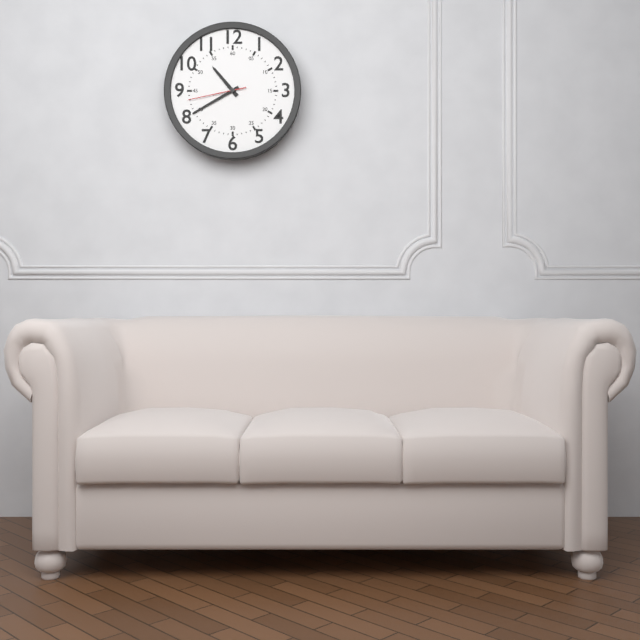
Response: 10:40:43
